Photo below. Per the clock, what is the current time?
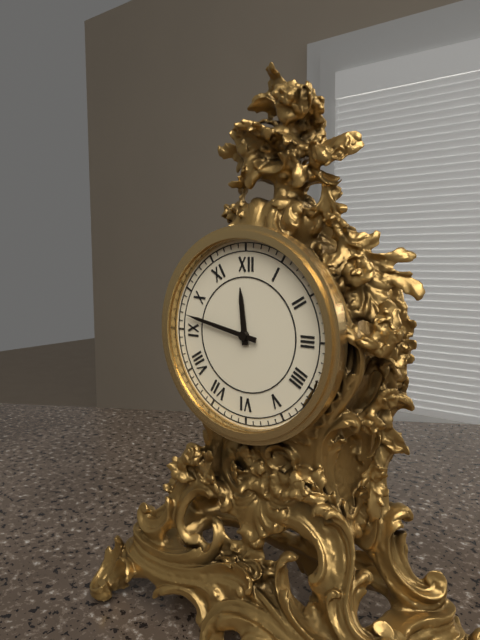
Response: 11:47
